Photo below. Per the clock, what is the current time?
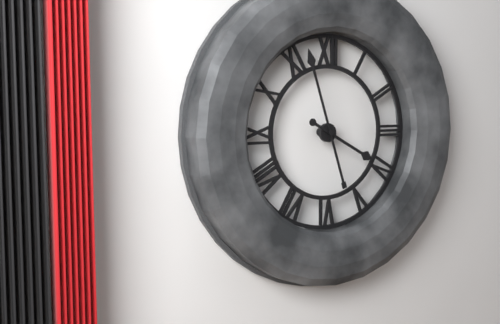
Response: 3:57
